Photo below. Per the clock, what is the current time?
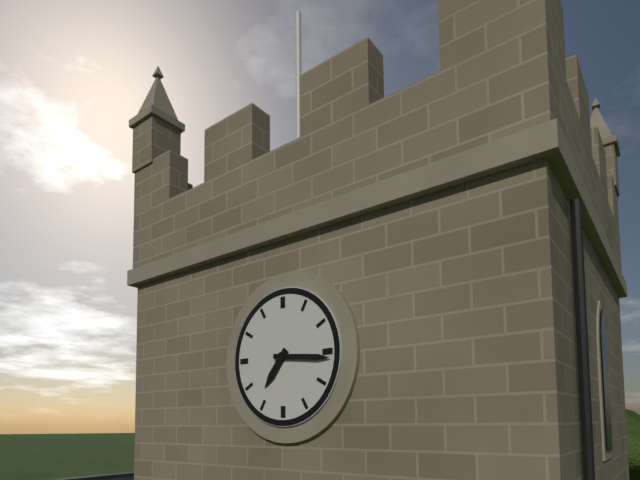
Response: 7:16
